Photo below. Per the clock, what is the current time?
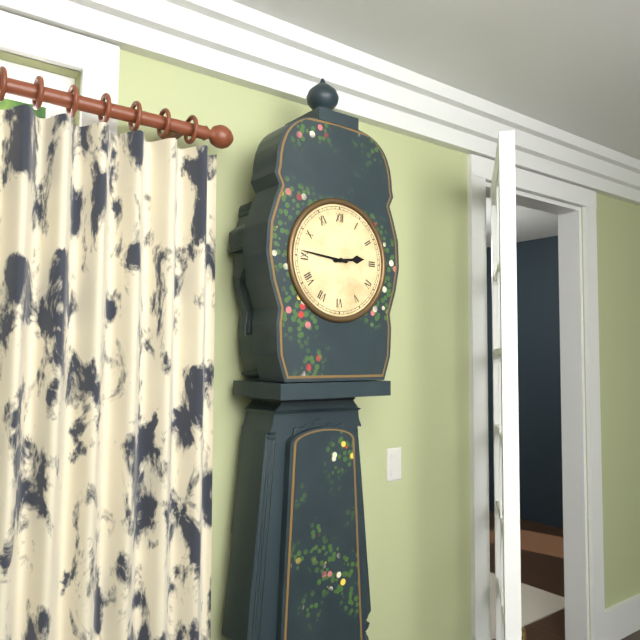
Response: 2:46
